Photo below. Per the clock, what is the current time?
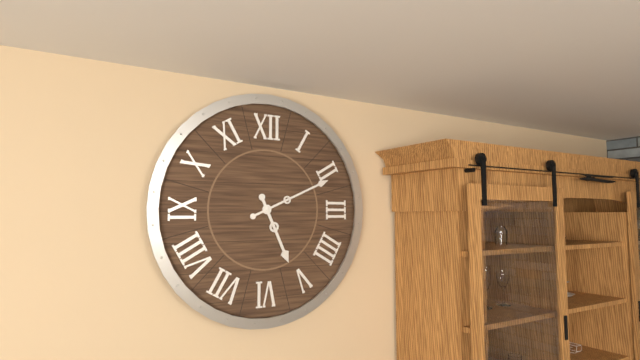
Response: 5:11
